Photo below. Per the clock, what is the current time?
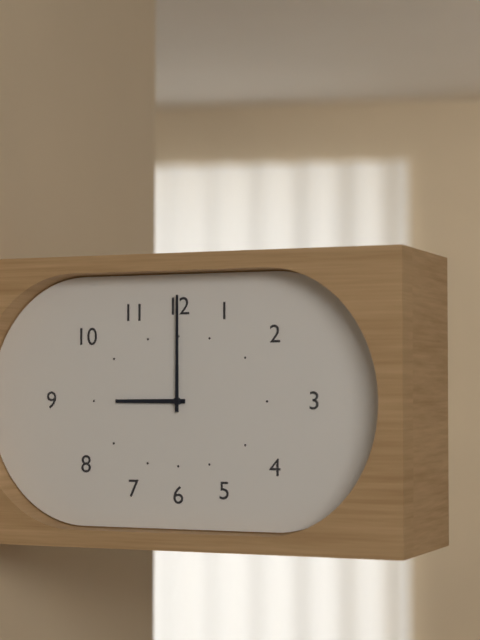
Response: 9:00
